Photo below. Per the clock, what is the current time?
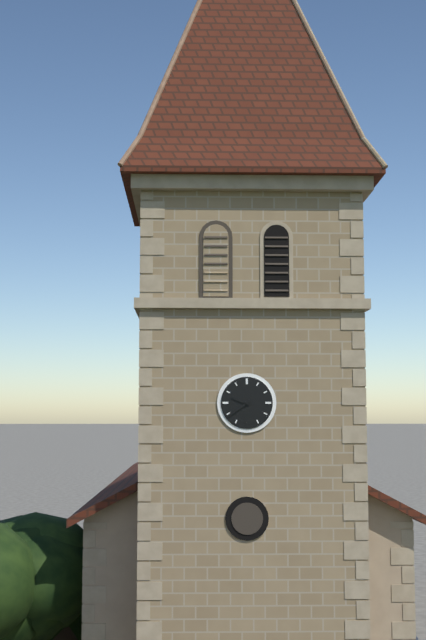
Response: 9:39
